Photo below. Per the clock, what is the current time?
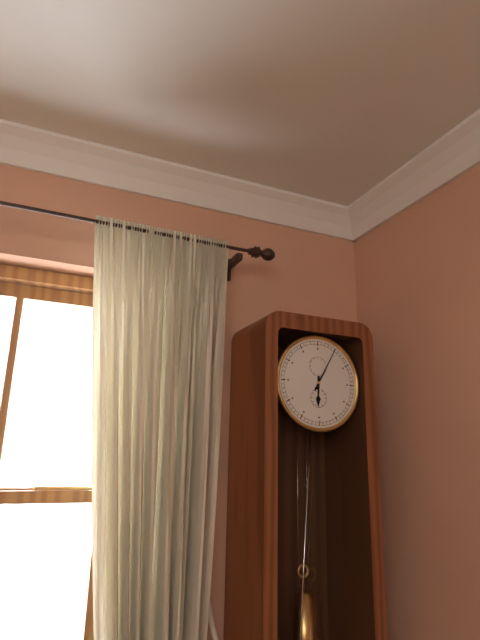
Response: 6:05
